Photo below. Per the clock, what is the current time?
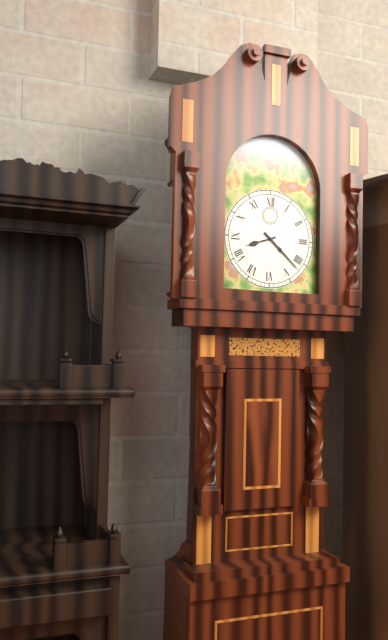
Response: 8:22
